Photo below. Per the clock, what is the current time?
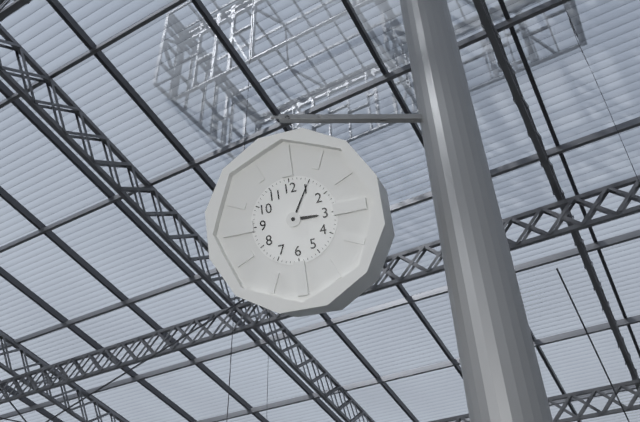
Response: 3:05
